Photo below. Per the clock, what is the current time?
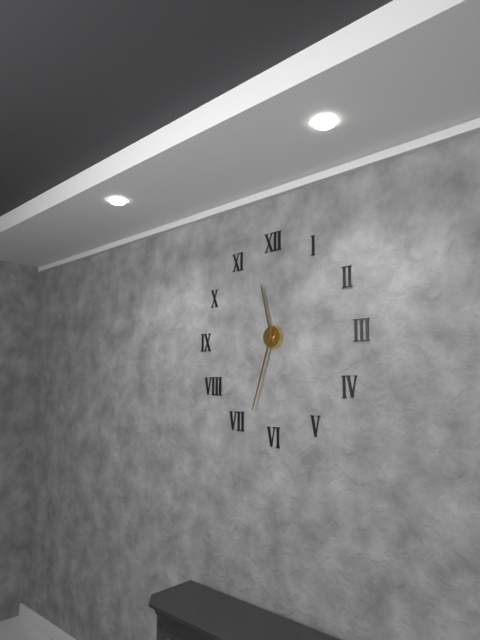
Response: 11:33
